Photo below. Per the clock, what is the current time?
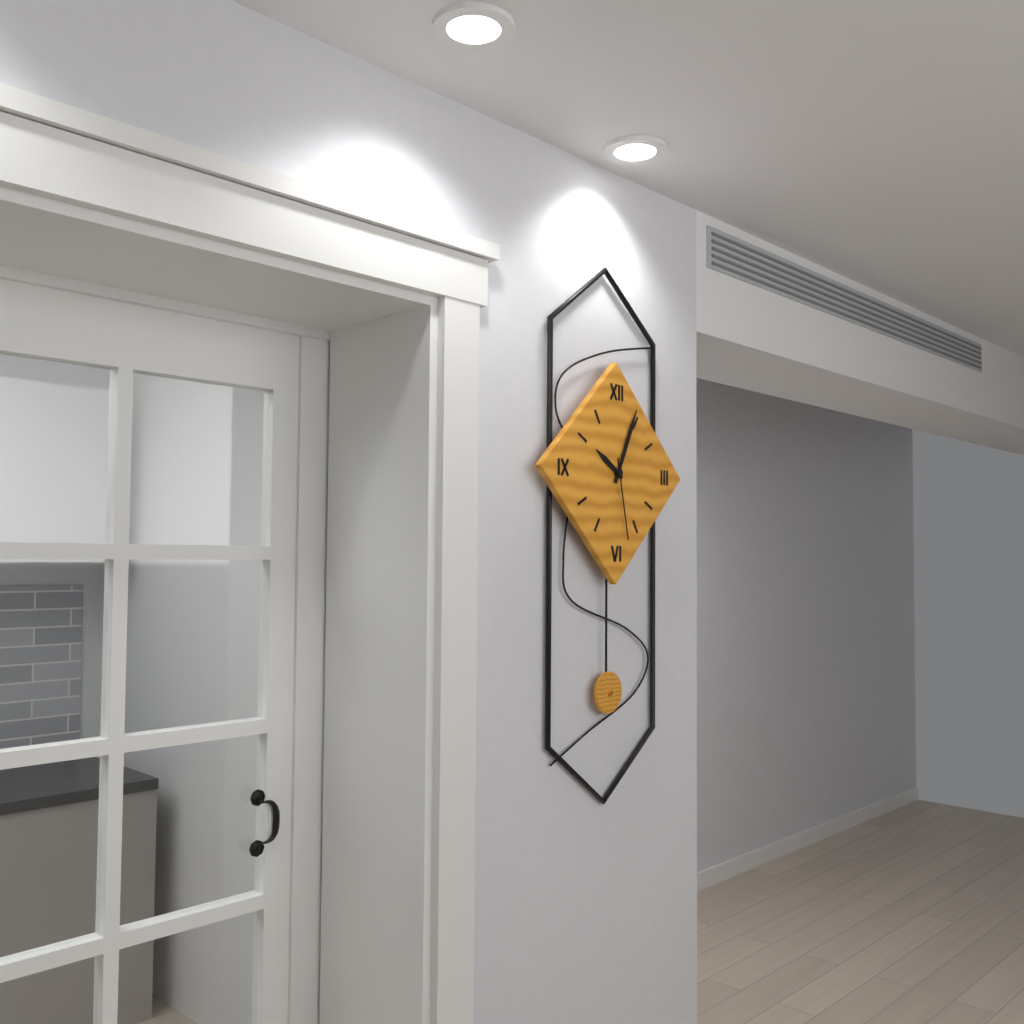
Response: 10:04:28
